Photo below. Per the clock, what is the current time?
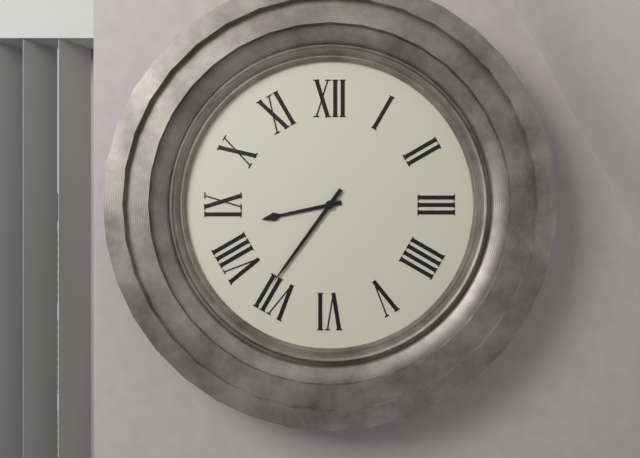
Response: 8:36
